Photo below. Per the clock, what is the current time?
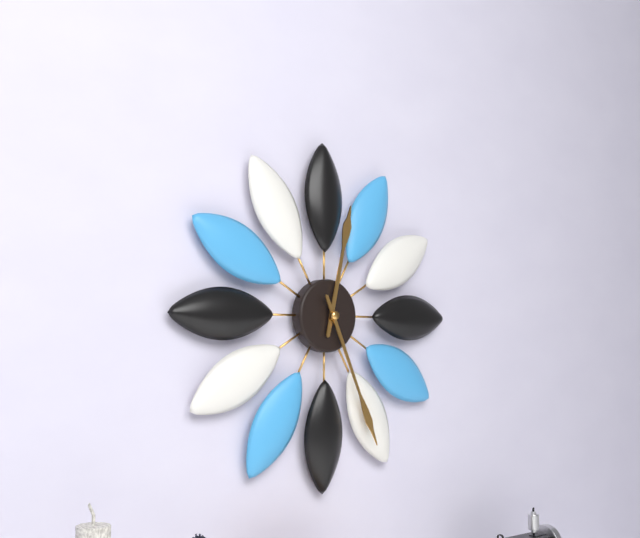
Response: 12:26
